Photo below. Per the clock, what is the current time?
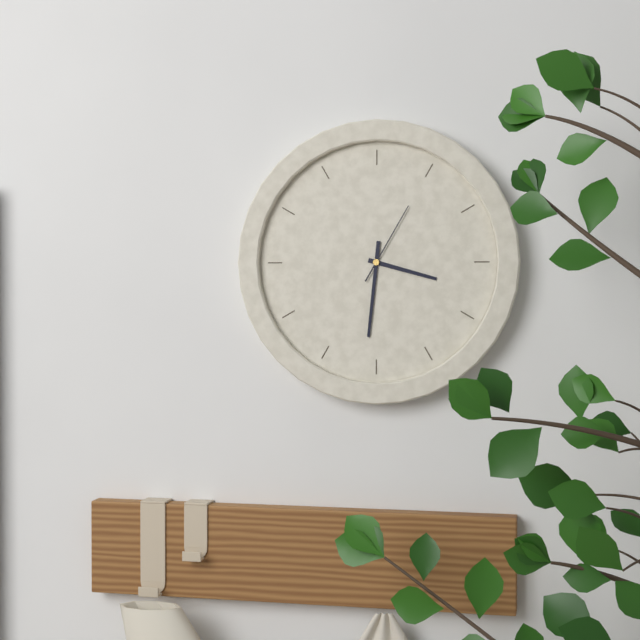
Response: 3:31:05
